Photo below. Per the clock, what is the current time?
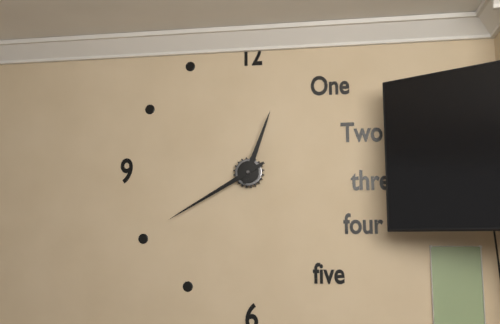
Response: 12:40
